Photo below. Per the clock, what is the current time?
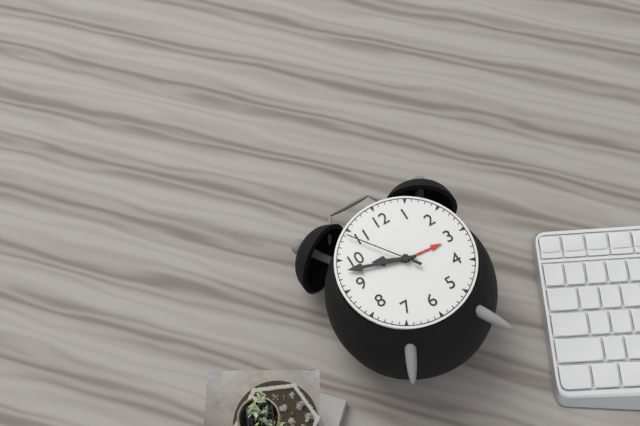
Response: 9:48:54
